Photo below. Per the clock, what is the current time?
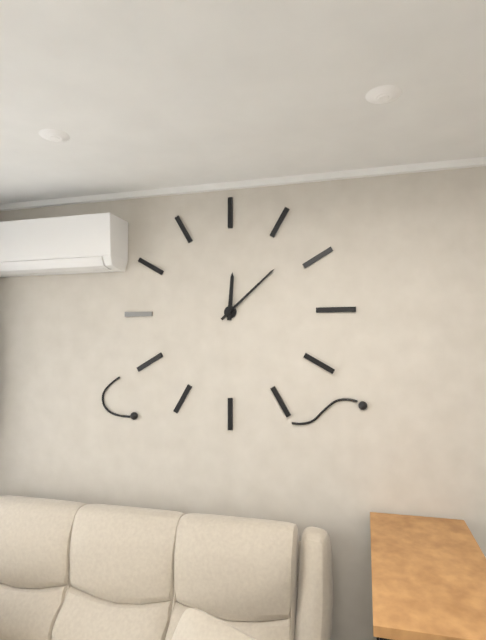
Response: 12:08
